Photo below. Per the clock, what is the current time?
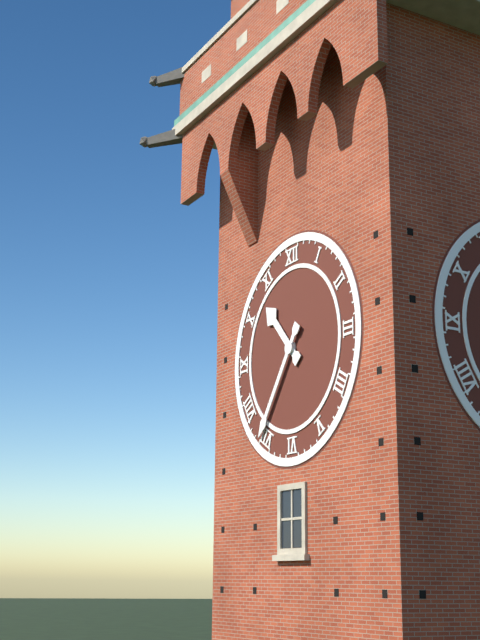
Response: 10:36
